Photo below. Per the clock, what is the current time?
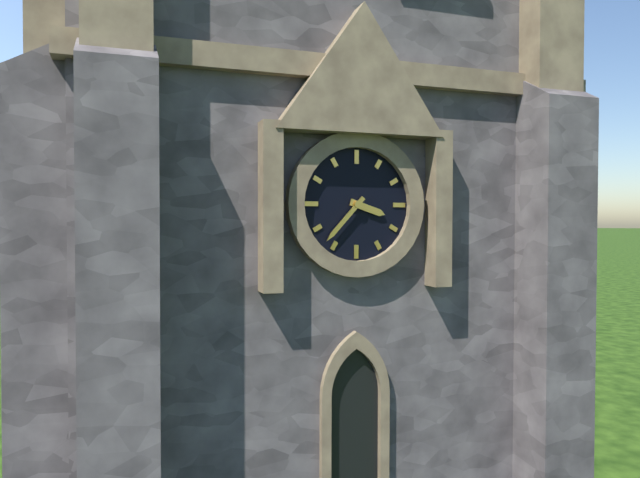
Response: 3:37
